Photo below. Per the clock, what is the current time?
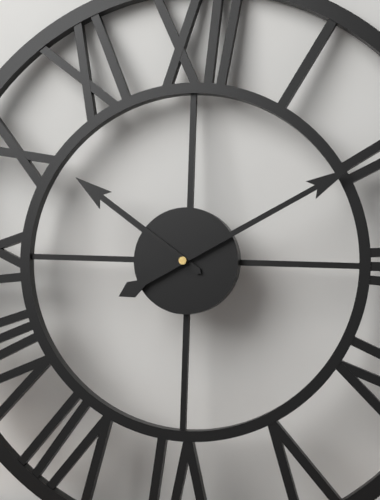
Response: 10:10
